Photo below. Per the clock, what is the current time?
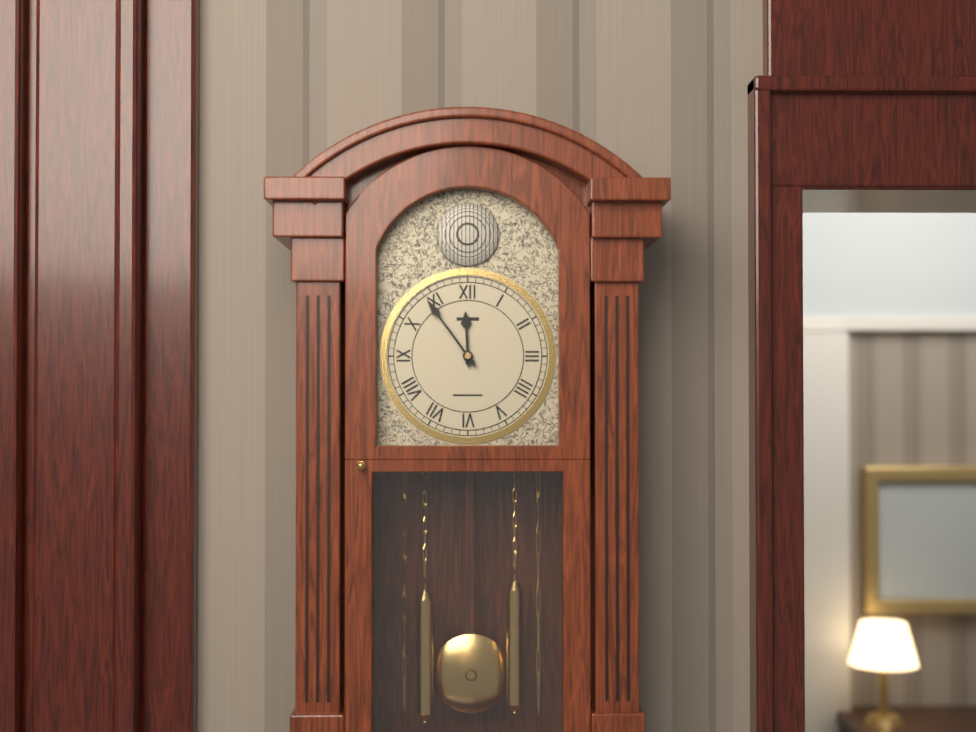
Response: 11:54
